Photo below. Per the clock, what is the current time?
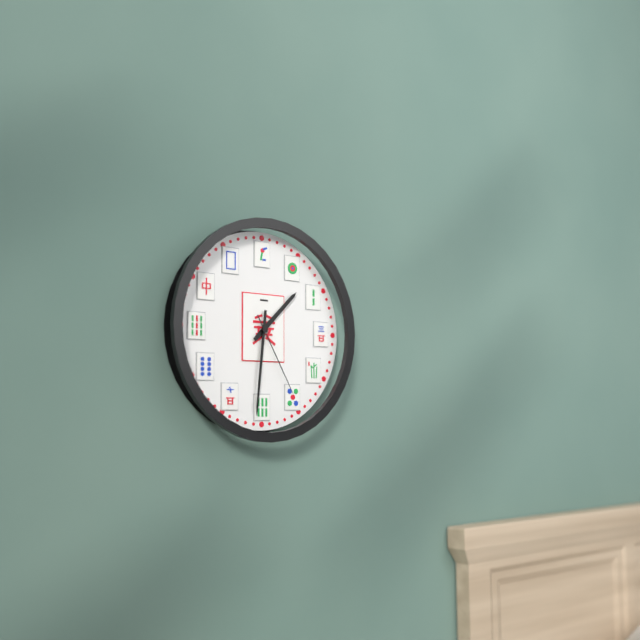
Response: 1:31:25
